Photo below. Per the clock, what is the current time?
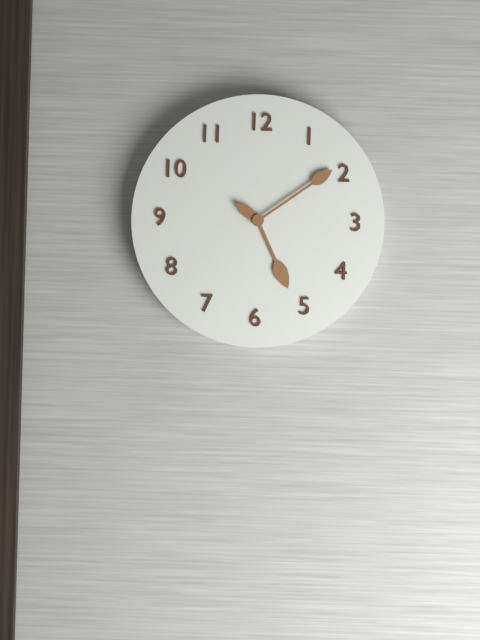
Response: 5:09
